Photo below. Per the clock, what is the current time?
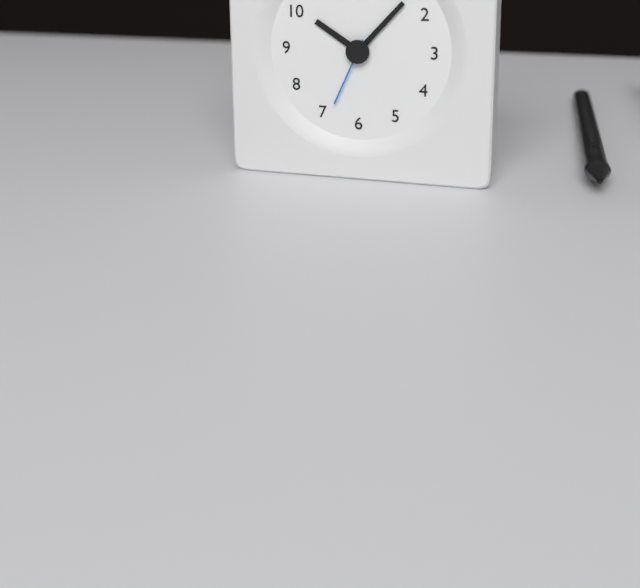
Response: 10:07:34
